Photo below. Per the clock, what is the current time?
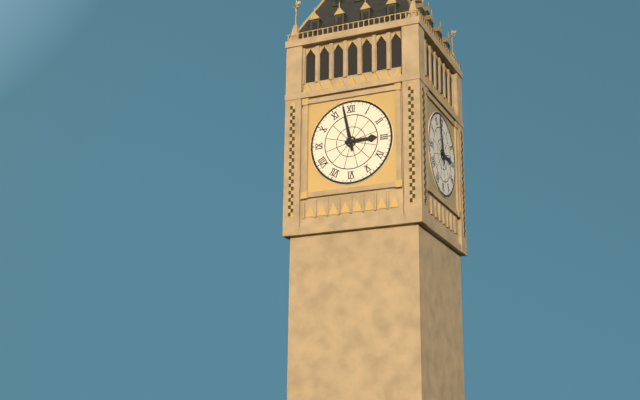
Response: 2:58
